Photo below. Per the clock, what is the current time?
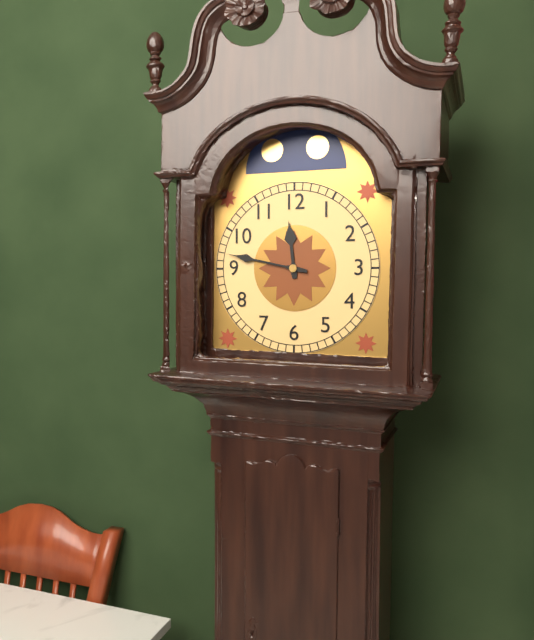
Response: 11:47
